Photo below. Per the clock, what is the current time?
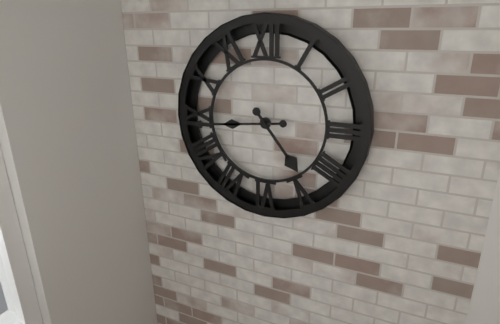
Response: 4:44
